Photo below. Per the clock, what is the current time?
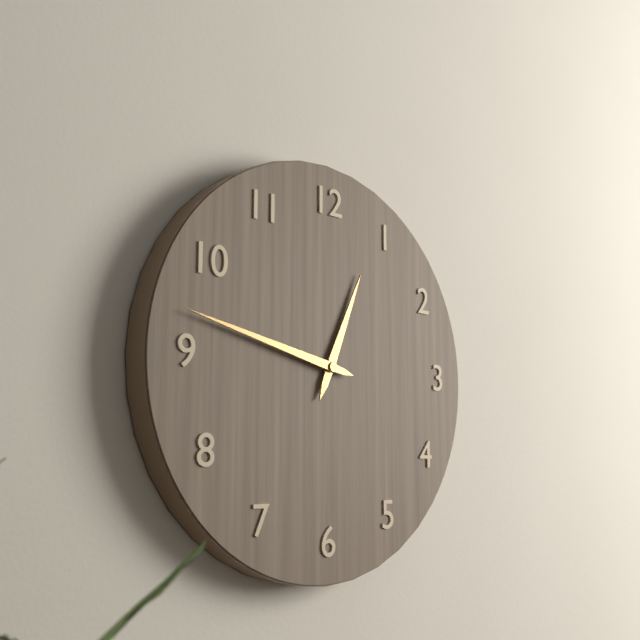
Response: 12:47
